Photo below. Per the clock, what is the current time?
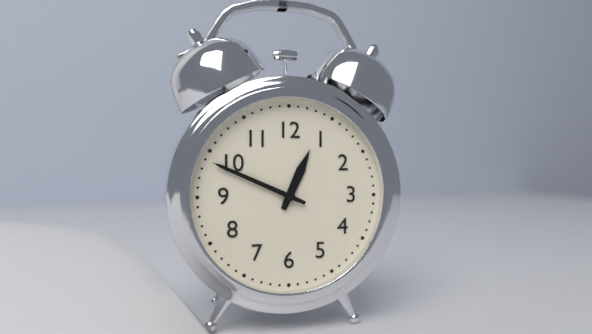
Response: 12:49
